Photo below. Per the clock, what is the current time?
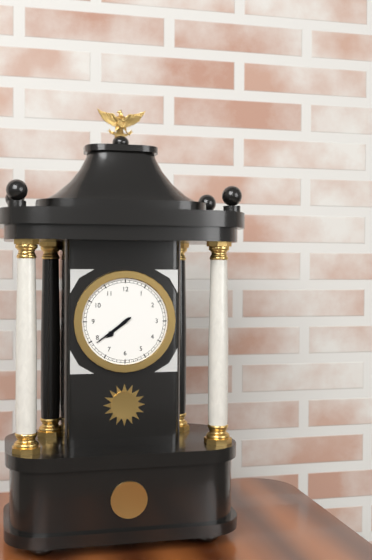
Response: 7:39
